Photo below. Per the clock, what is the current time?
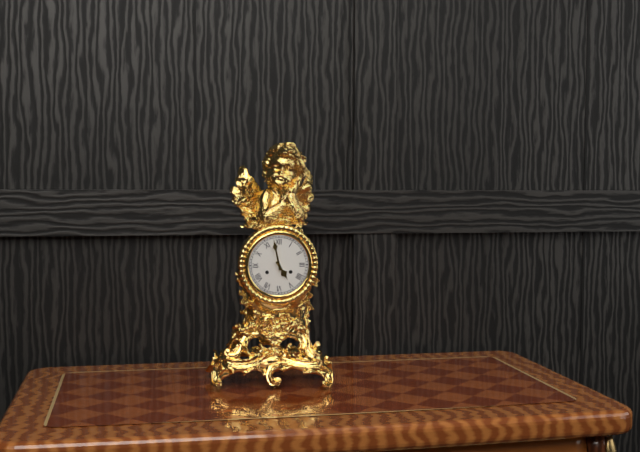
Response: 4:58
